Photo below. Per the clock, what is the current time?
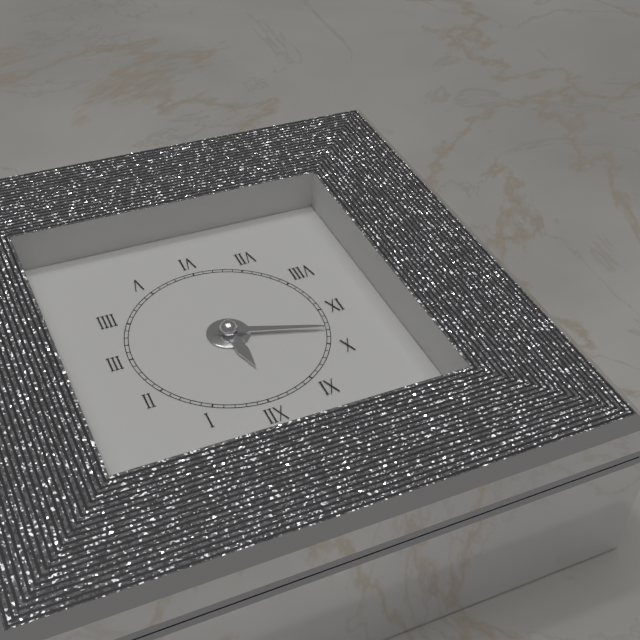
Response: 11:48
